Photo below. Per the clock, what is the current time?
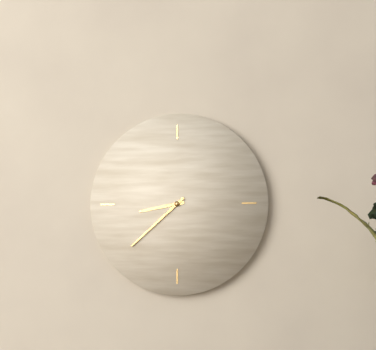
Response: 8:38
